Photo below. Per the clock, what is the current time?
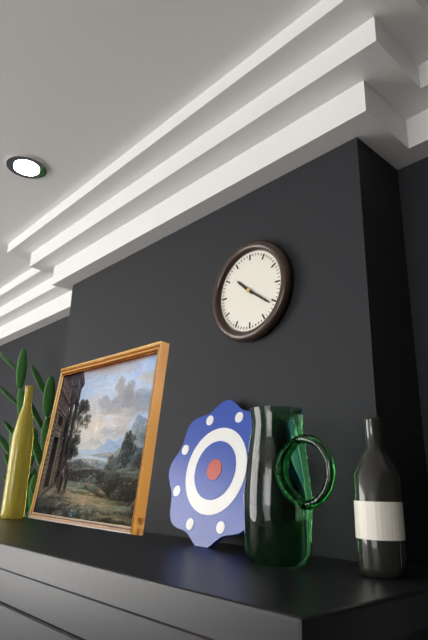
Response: 10:21
